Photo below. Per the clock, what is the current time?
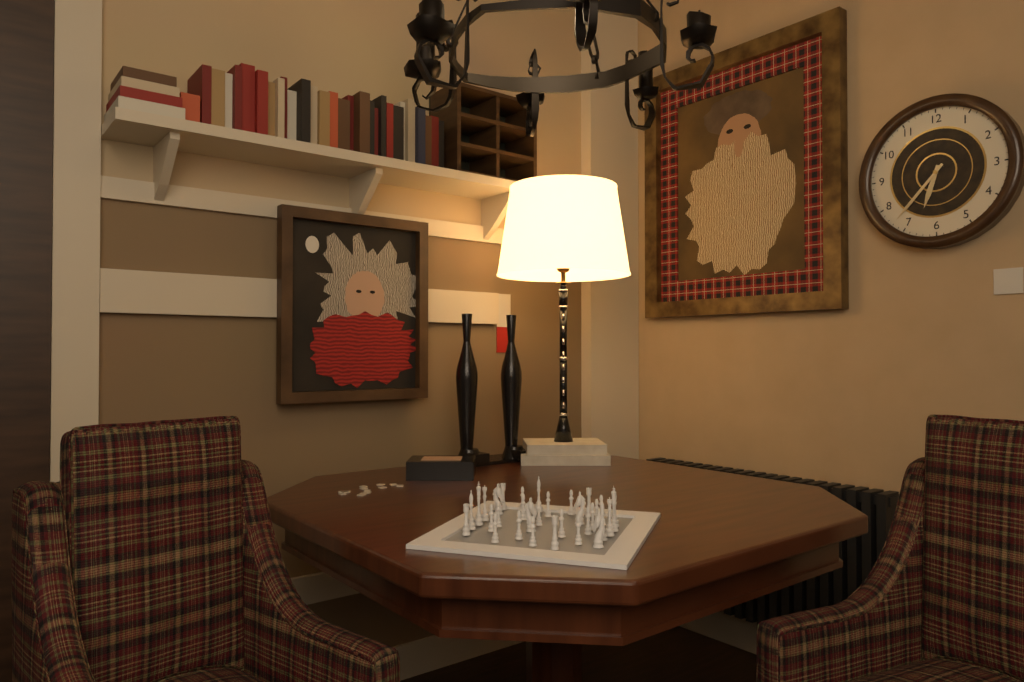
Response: 6:37
